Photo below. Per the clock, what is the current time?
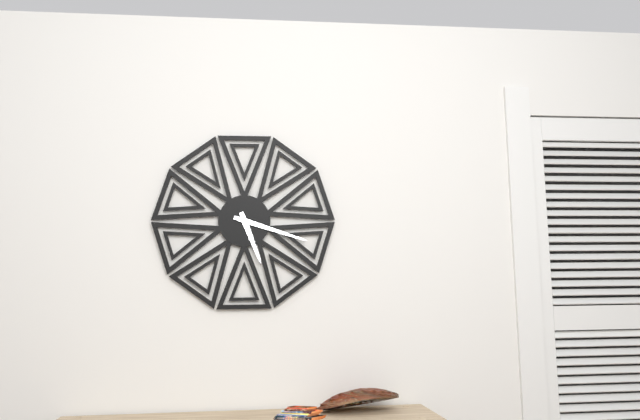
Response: 5:18
